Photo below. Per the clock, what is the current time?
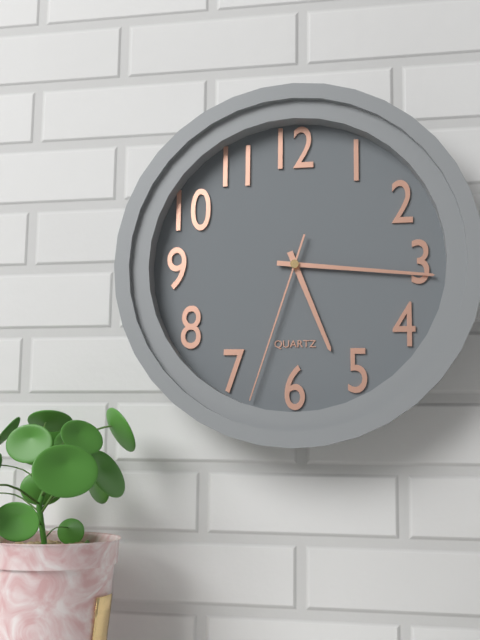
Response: 5:16:33
